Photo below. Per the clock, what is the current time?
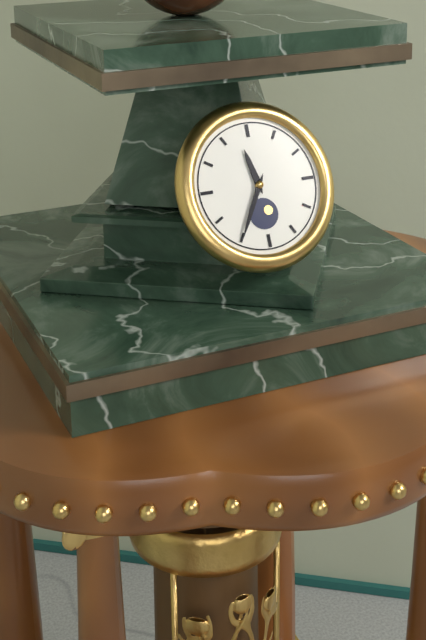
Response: 11:35
